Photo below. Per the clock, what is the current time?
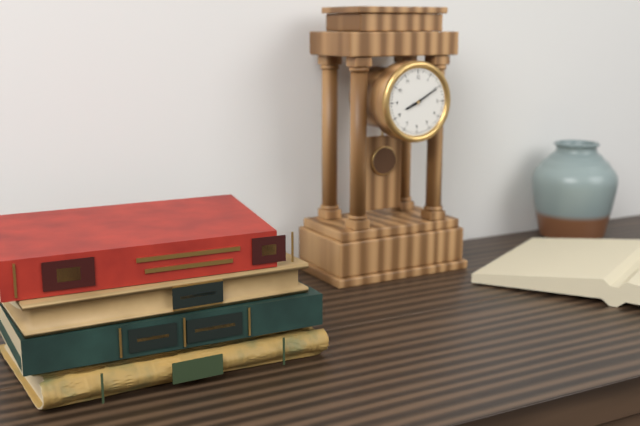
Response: 8:10
